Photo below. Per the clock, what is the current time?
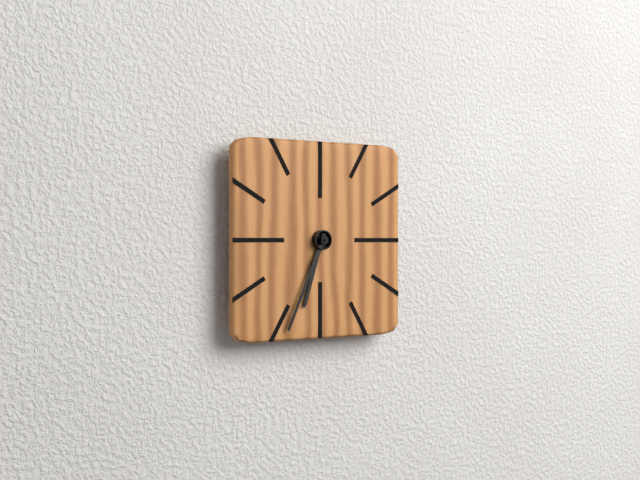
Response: 6:34
